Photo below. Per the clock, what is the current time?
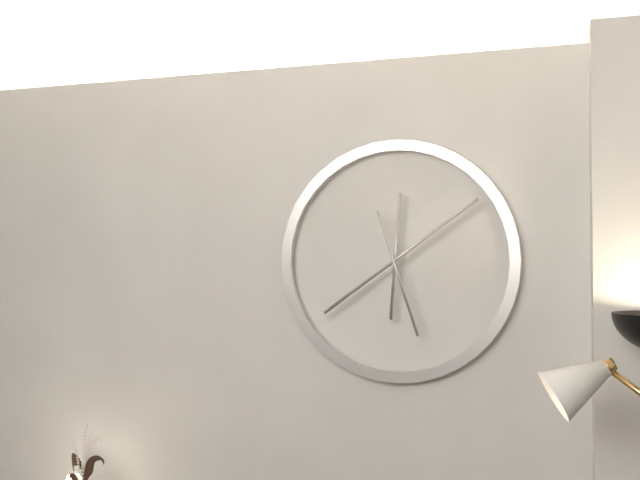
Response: 12:09:27
